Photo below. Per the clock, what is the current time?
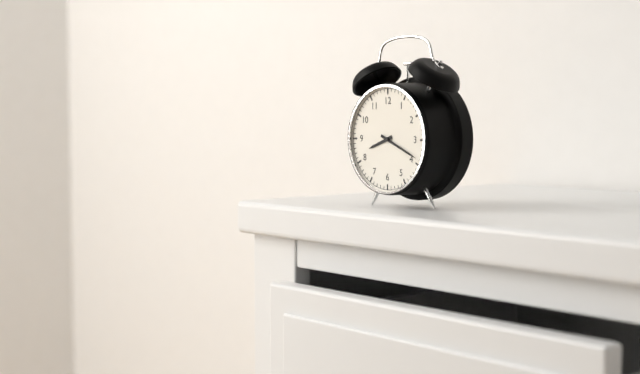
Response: 8:19
